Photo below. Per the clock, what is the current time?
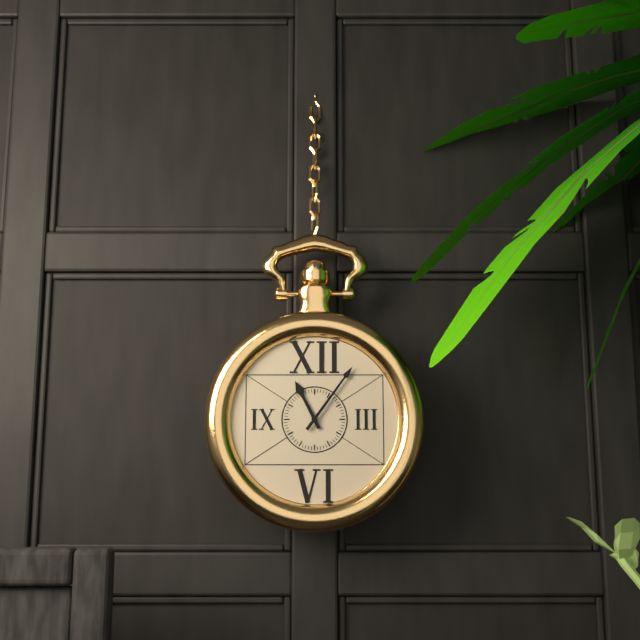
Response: 11:06
